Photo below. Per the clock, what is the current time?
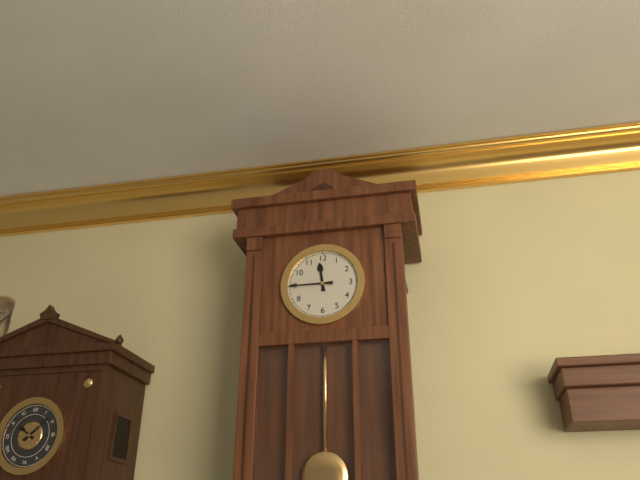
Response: 11:45
